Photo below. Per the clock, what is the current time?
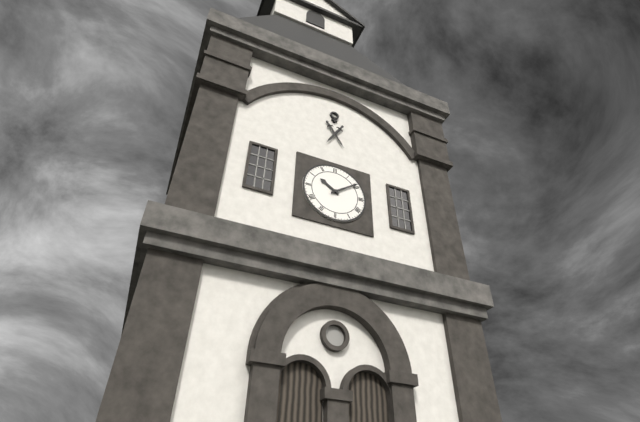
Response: 10:09
